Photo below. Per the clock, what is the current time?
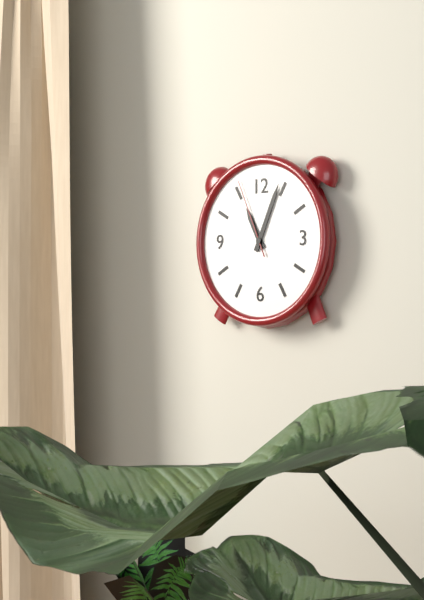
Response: 11:04:56
